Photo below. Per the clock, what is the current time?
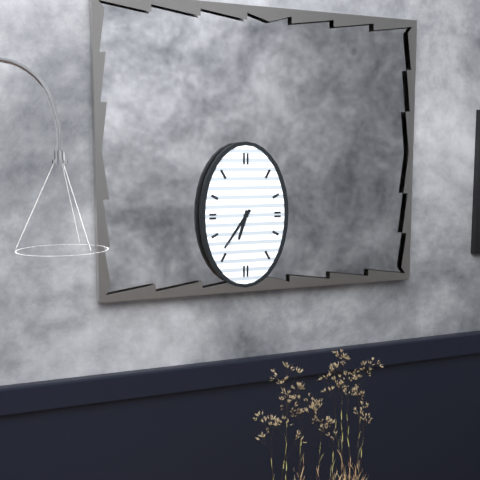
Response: 6:36
